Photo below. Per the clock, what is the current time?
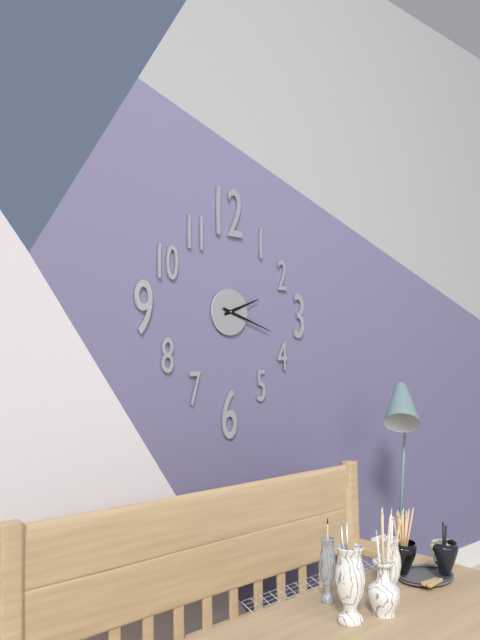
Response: 2:18
